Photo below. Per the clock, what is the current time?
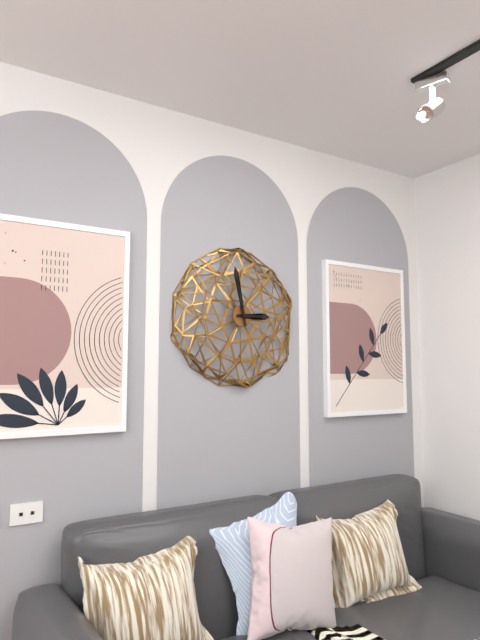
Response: 2:58
